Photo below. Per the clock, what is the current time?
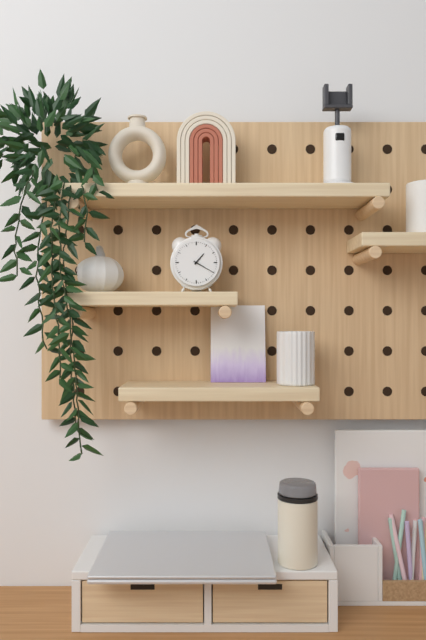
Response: 1:20
